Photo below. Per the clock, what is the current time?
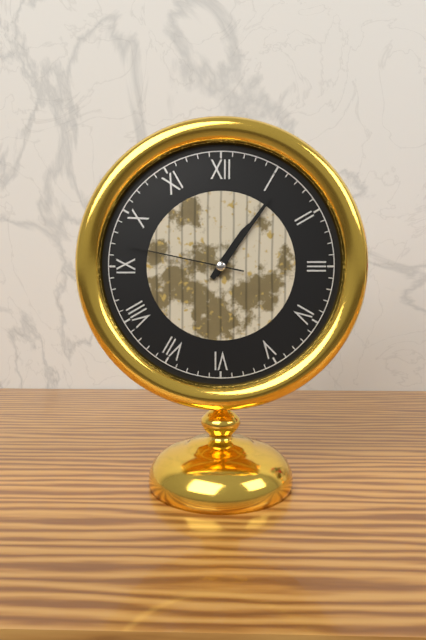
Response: 1:06:47
